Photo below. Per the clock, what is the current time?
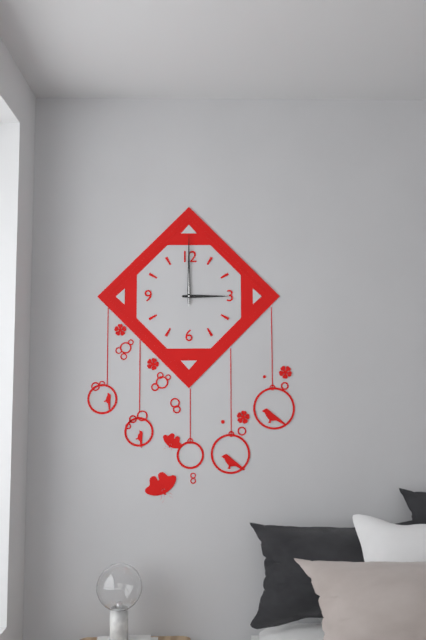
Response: 3:00
